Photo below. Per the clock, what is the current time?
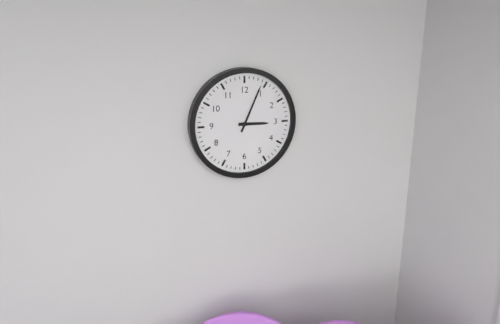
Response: 3:04
